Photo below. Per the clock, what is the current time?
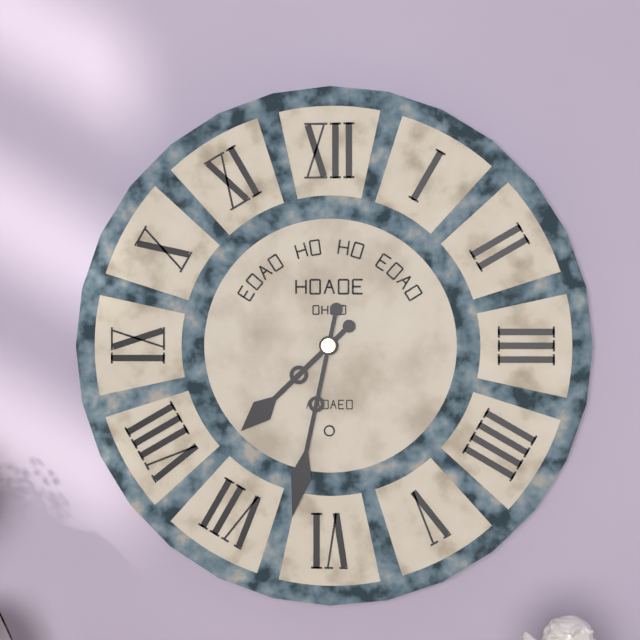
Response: 7:32
